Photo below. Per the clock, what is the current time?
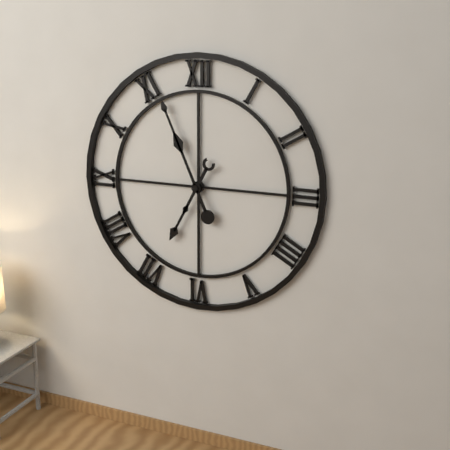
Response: 6:56
